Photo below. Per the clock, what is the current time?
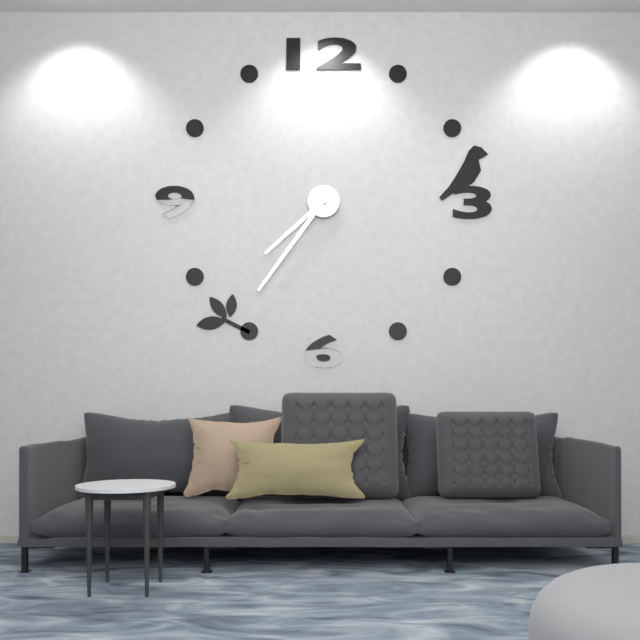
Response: 7:36
